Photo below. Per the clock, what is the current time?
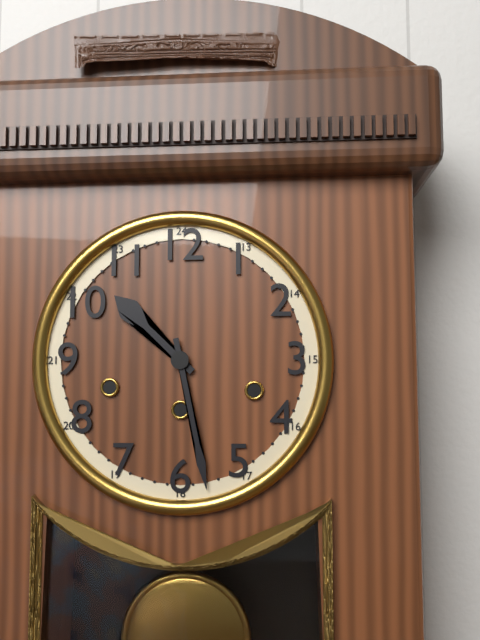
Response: 10:28
